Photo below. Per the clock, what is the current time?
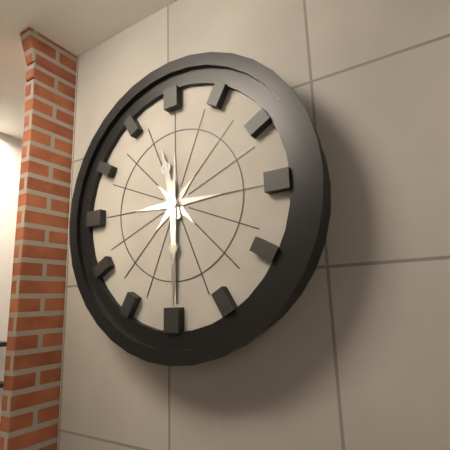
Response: 11:30
